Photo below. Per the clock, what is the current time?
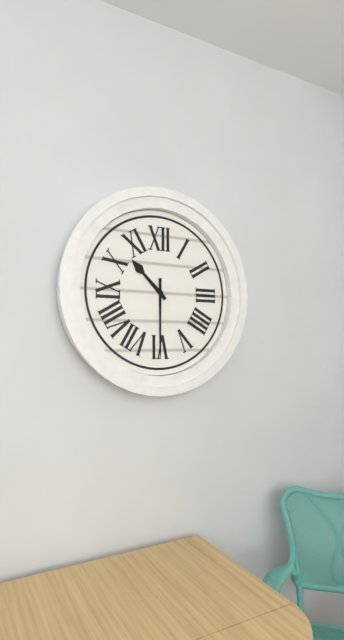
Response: 10:30
